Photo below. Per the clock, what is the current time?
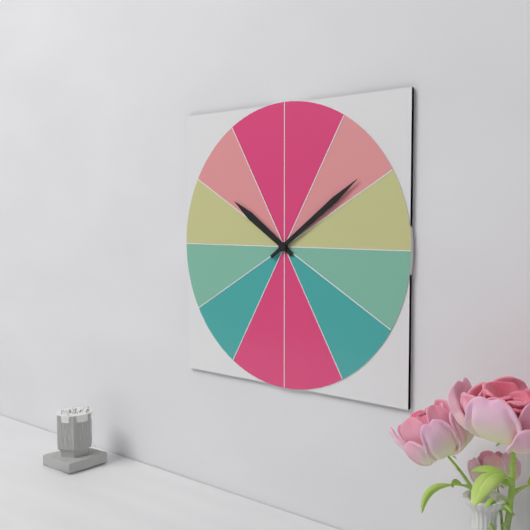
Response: 10:09
